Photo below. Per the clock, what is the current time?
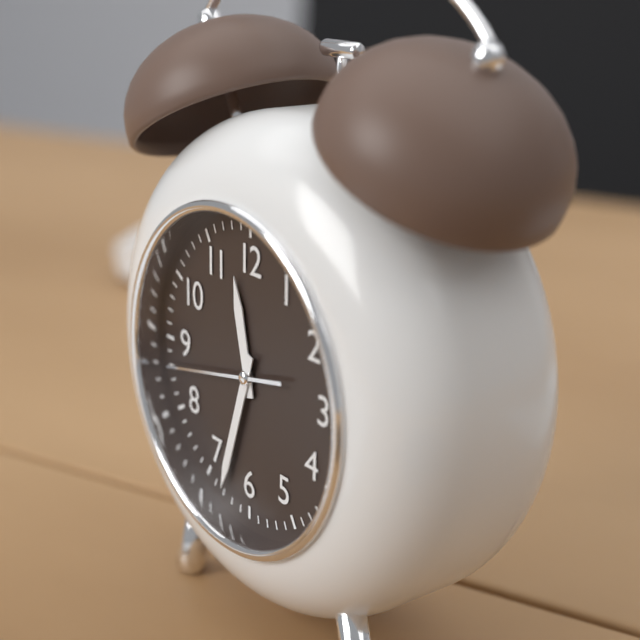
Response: 11:33:43
